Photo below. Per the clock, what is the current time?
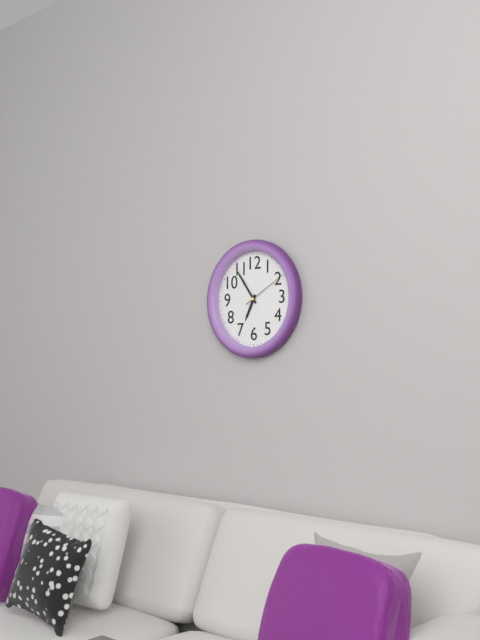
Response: 6:54
